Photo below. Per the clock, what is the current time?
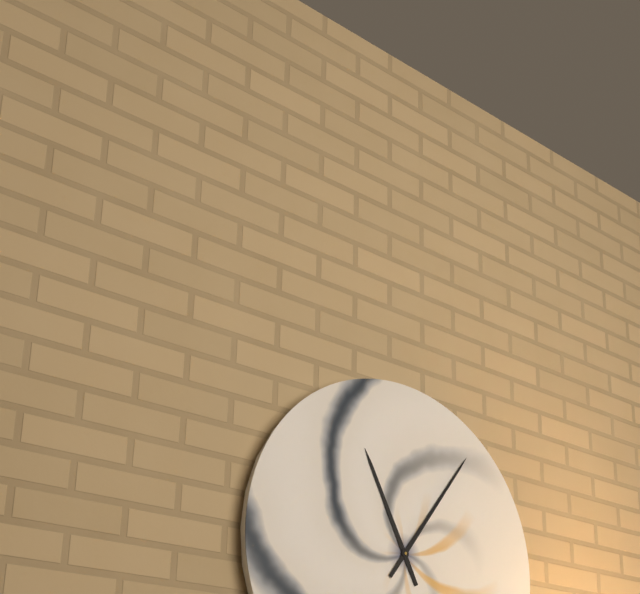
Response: 11:06
